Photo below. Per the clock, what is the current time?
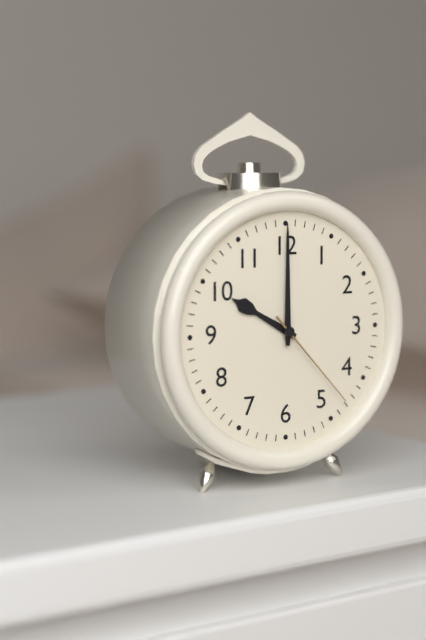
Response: 10:00:23
